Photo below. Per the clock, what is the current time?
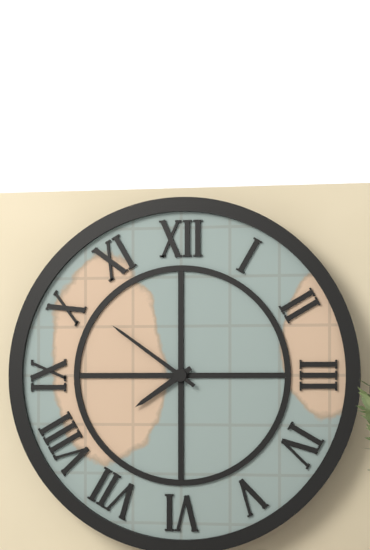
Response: 7:51
